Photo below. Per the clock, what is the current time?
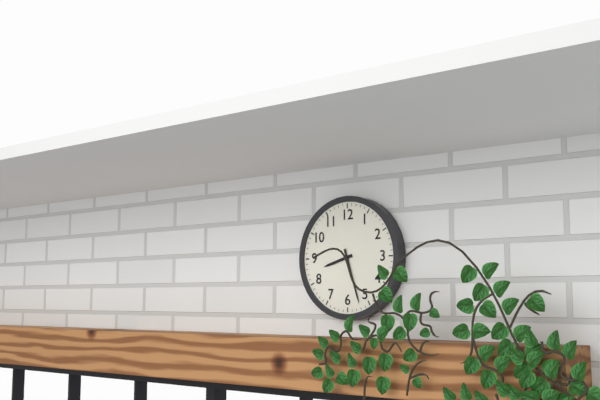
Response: 8:27
